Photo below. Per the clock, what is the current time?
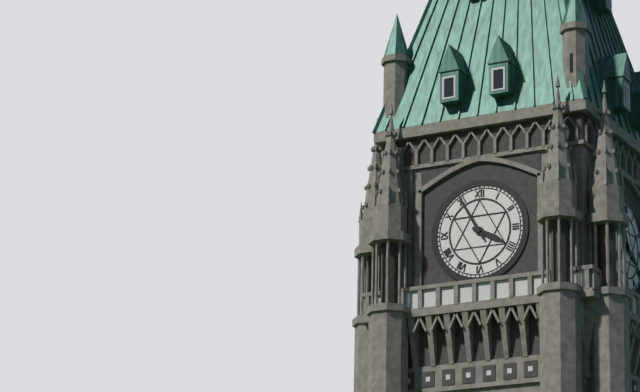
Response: 3:55
